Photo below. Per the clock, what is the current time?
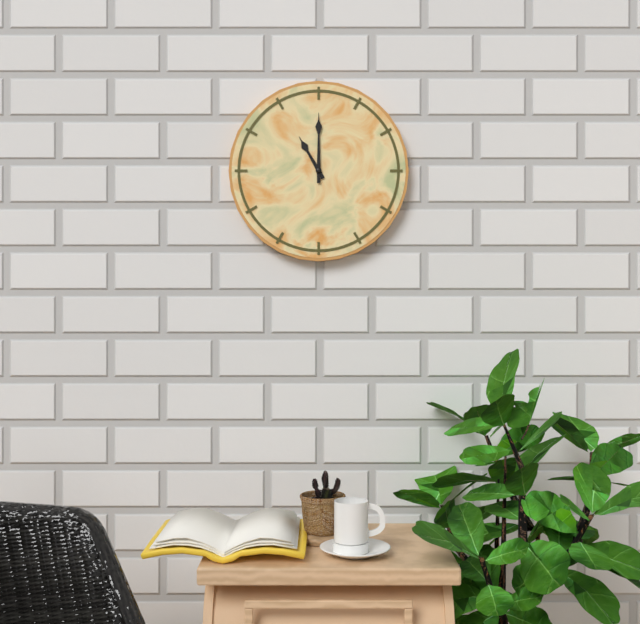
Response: 11:00
